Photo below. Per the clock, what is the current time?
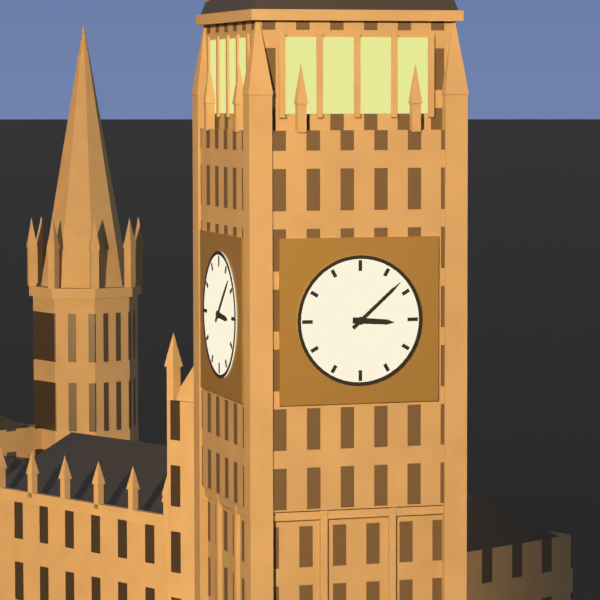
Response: 3:08
